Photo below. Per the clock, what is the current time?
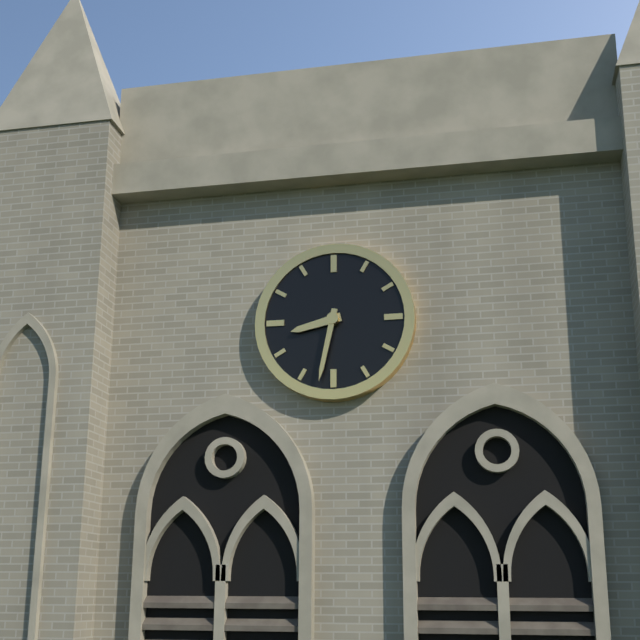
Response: 8:32
